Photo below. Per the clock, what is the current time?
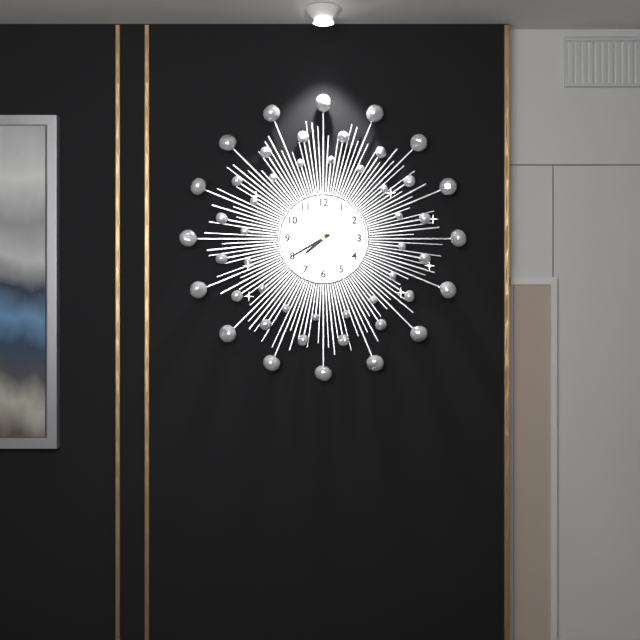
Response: 7:40
